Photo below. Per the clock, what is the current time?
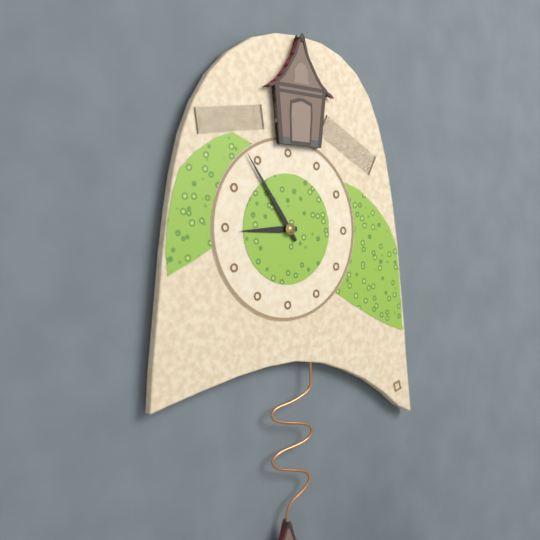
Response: 8:54
